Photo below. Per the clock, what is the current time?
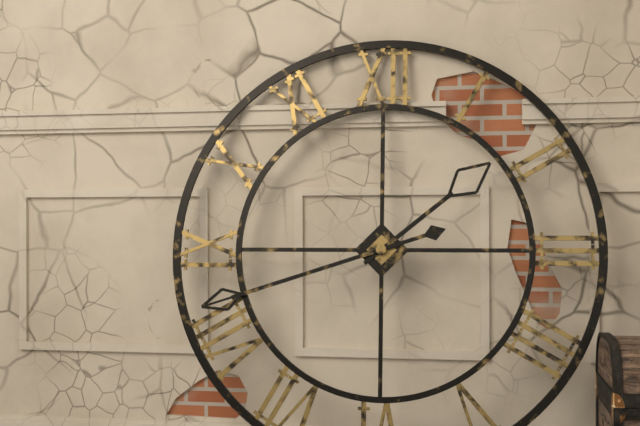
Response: 1:42
